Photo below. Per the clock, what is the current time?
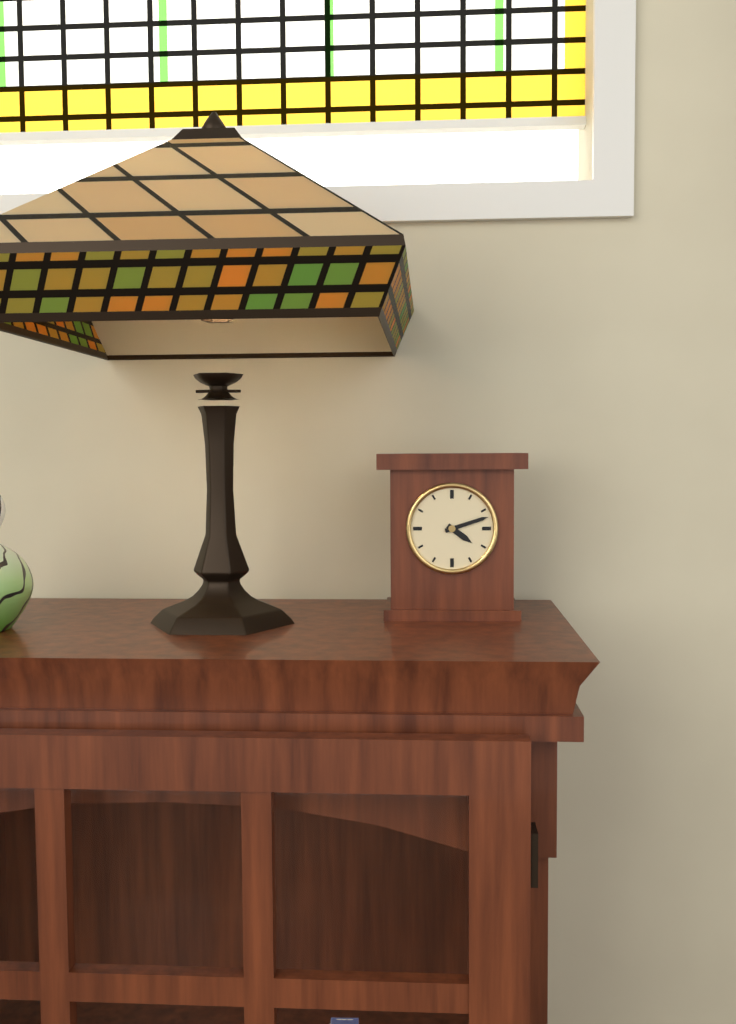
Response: 4:12
